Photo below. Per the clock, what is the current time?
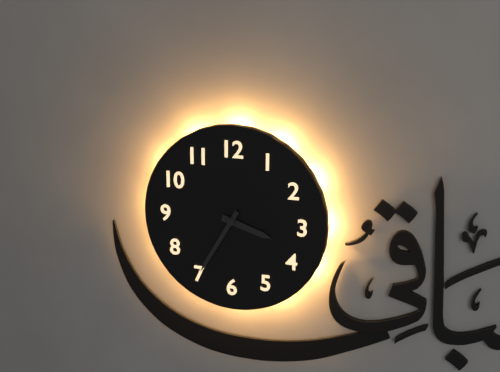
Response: 3:35
